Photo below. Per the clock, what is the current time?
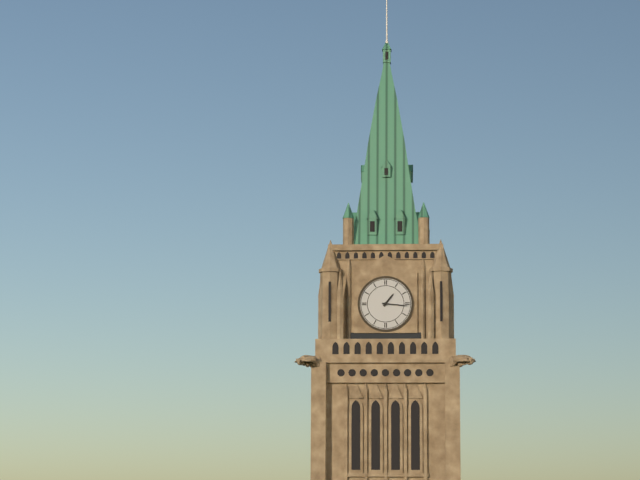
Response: 1:16
